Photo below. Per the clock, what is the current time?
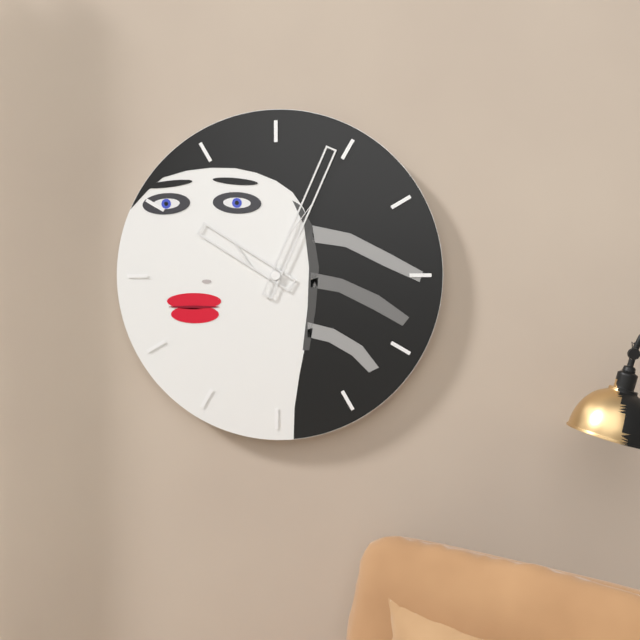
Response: 10:04
